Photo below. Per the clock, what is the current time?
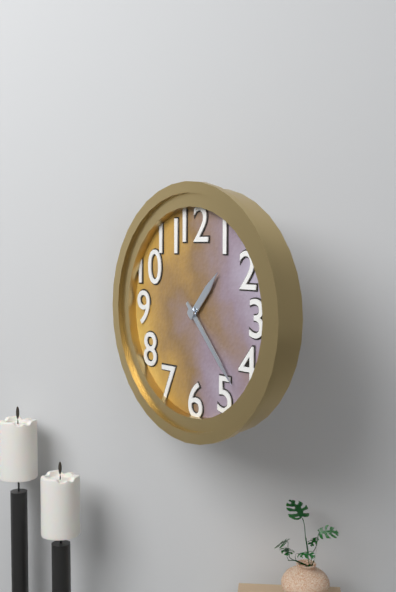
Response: 1:23
